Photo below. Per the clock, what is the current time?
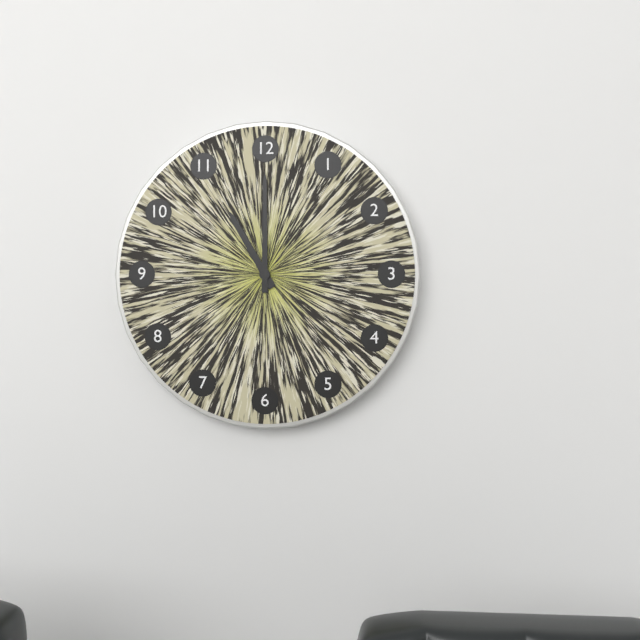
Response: 11:00
